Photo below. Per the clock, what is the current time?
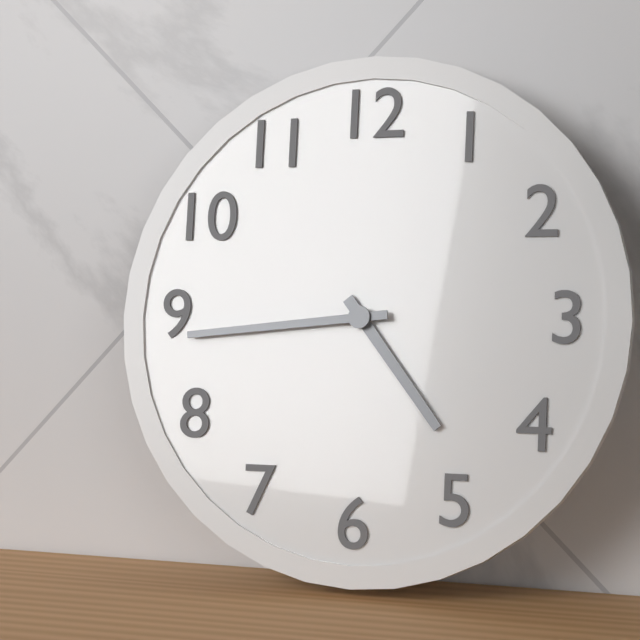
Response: 4:44
